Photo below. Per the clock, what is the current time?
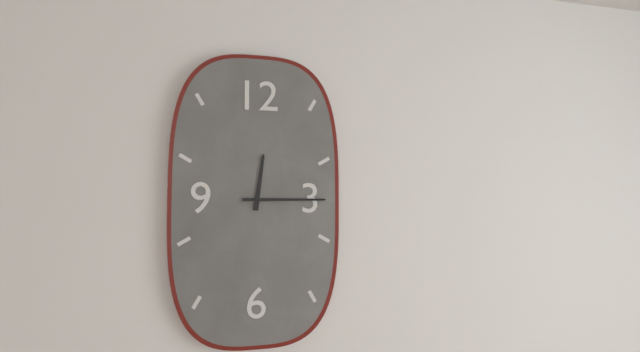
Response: 12:15
